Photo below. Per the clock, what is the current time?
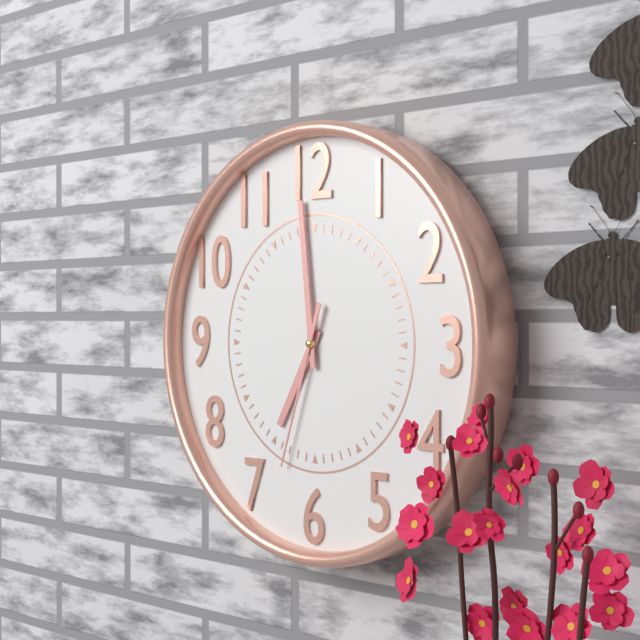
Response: 6:59:33
